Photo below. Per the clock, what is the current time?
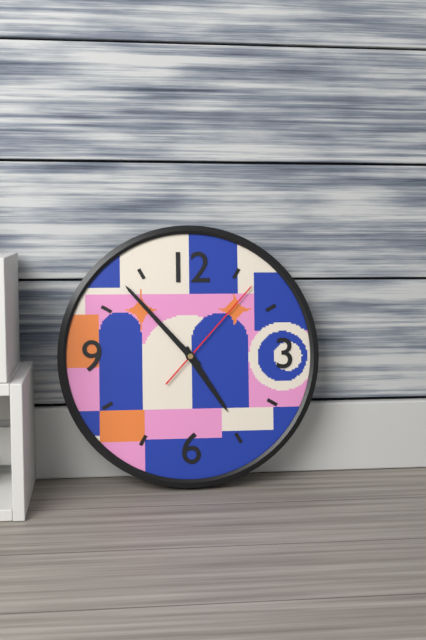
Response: 4:53:07
